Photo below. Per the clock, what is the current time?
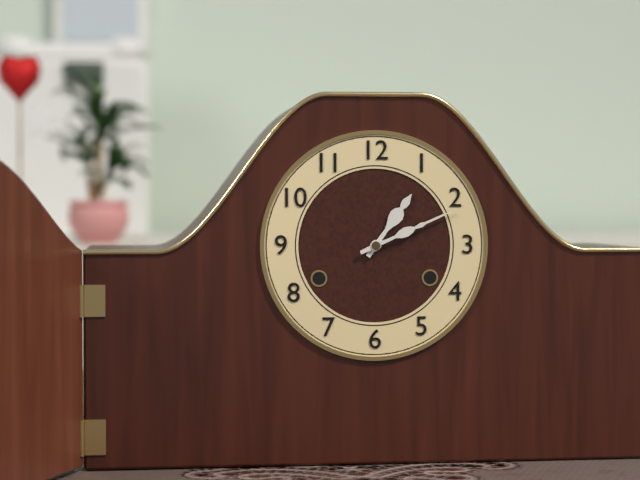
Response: 1:11
